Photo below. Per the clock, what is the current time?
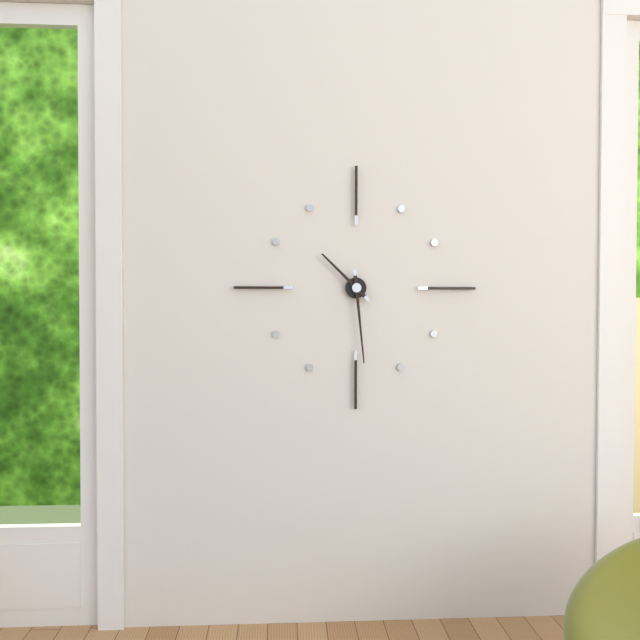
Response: 10:29
